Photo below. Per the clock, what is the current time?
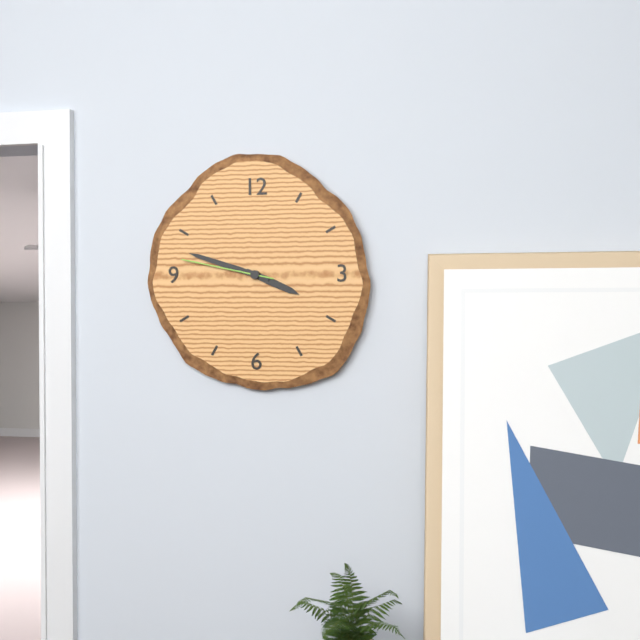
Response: 3:48:47
